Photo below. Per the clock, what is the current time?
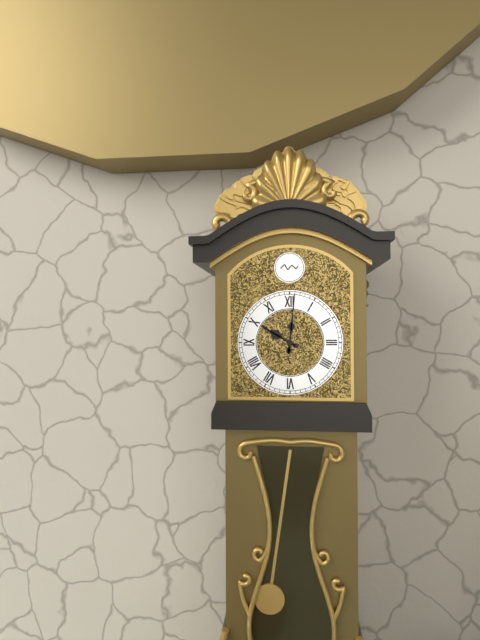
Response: 10:01
